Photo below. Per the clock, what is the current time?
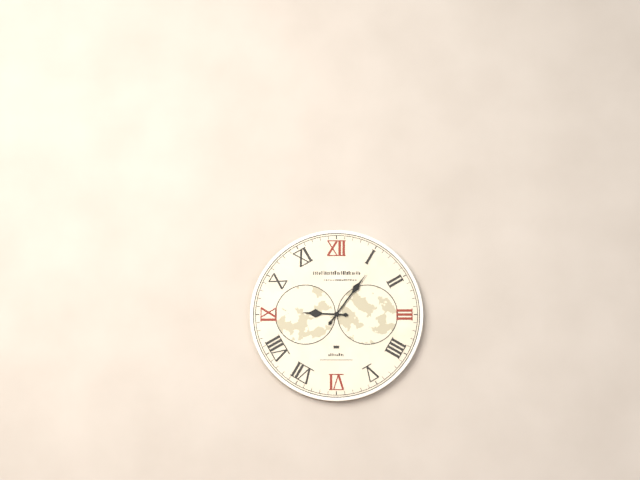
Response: 9:06
